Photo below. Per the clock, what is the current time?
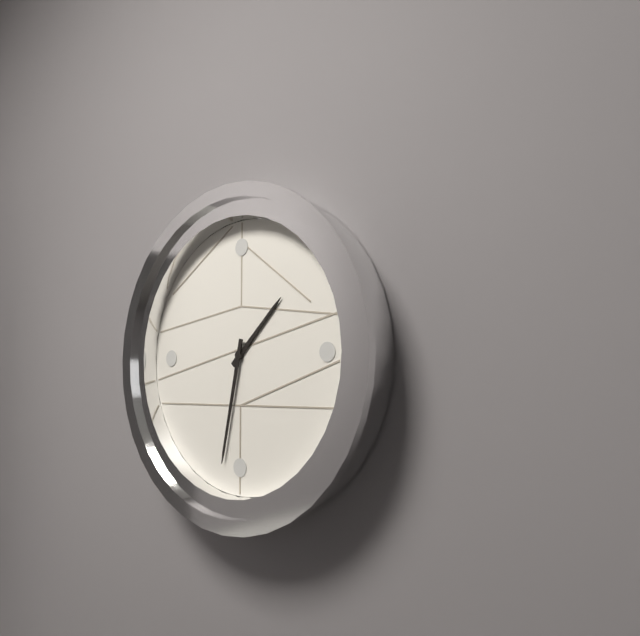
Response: 1:32
